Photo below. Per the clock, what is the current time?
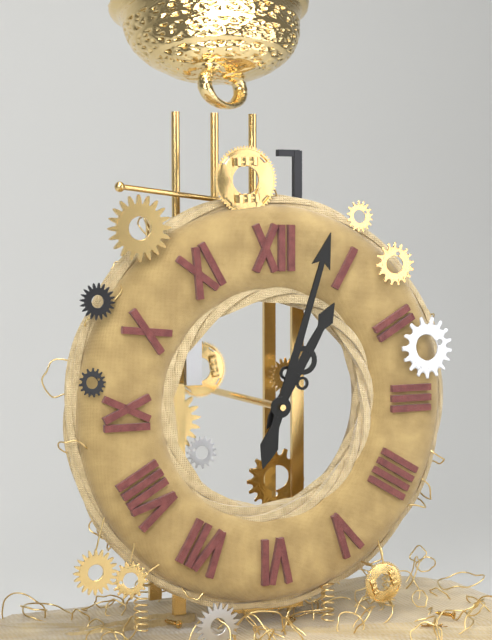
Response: 1:03
